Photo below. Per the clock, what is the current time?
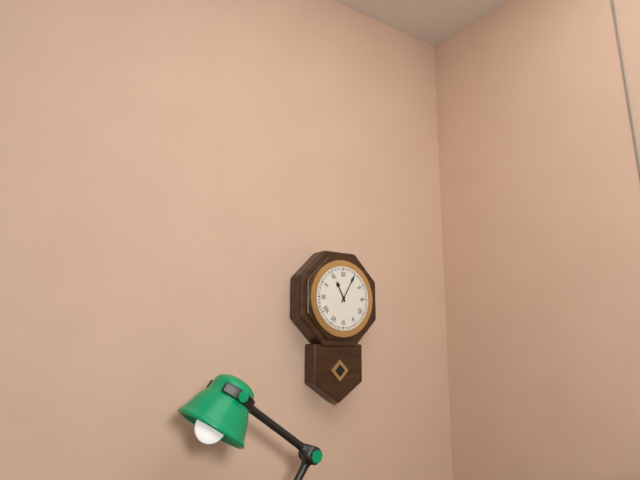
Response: 11:05
